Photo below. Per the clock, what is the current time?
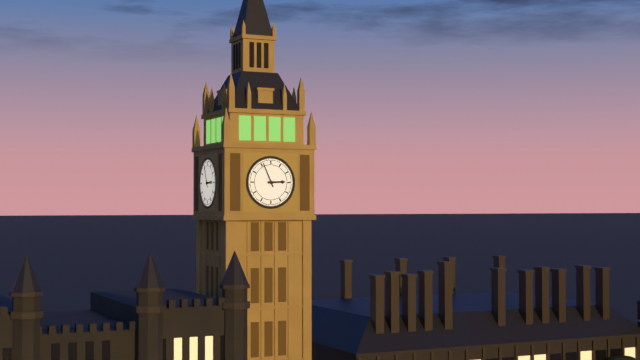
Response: 2:56
